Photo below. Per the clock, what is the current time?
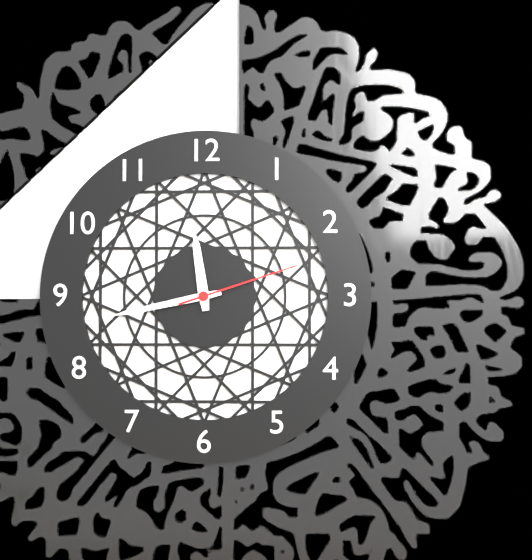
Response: 11:43:12
